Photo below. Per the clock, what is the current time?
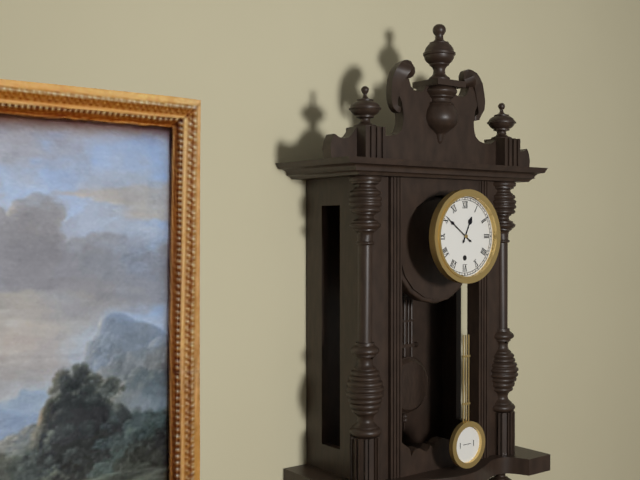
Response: 12:51
